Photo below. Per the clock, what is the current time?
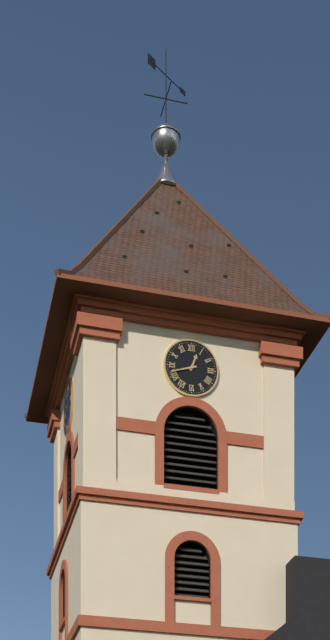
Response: 12:42
